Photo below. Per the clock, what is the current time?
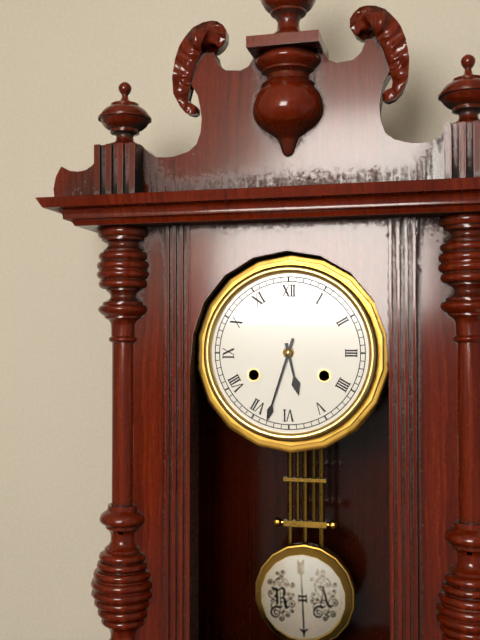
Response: 5:33
